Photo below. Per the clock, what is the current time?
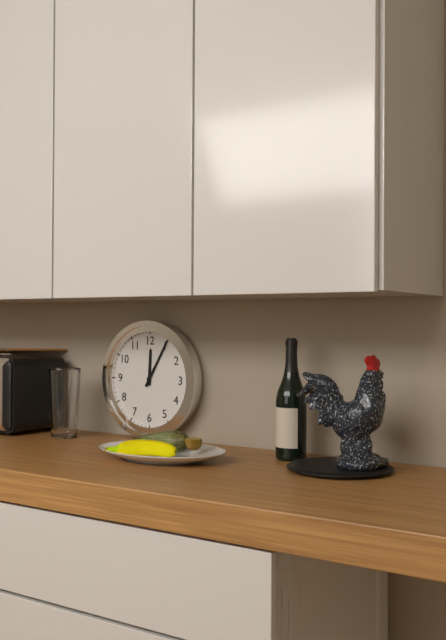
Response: 12:05
